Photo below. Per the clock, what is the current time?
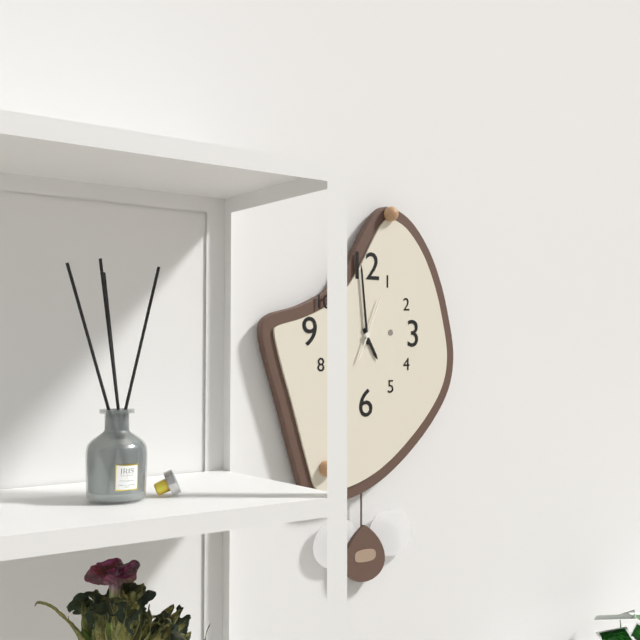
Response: 4:59:04
